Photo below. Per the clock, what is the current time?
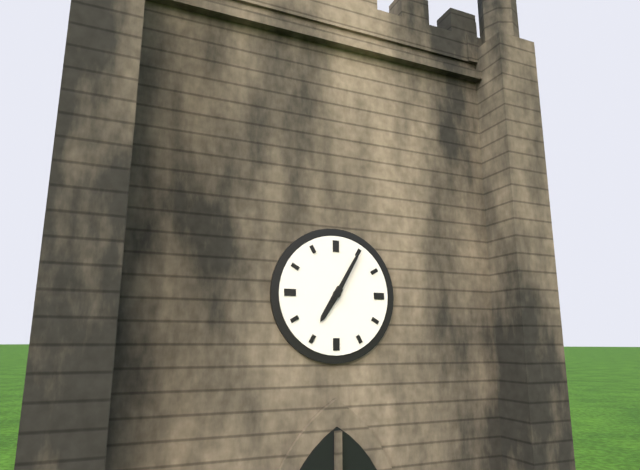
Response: 7:05
